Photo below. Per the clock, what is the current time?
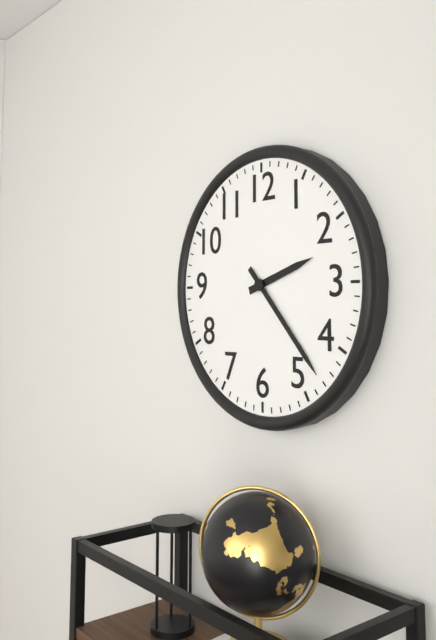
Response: 2:23
